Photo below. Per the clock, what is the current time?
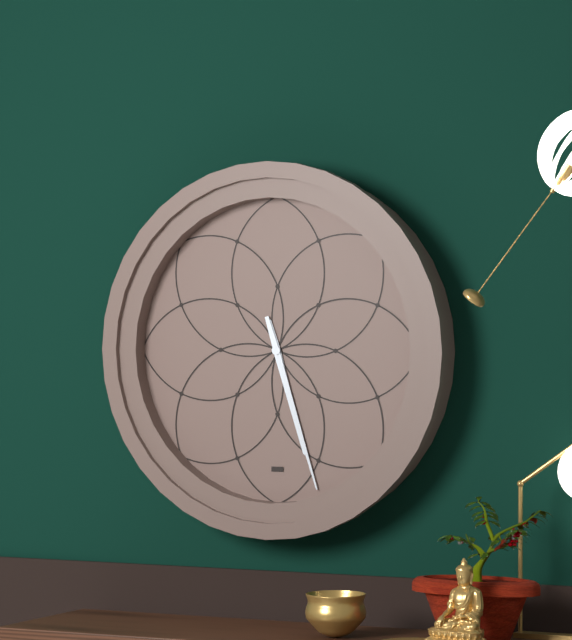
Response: 5:27
